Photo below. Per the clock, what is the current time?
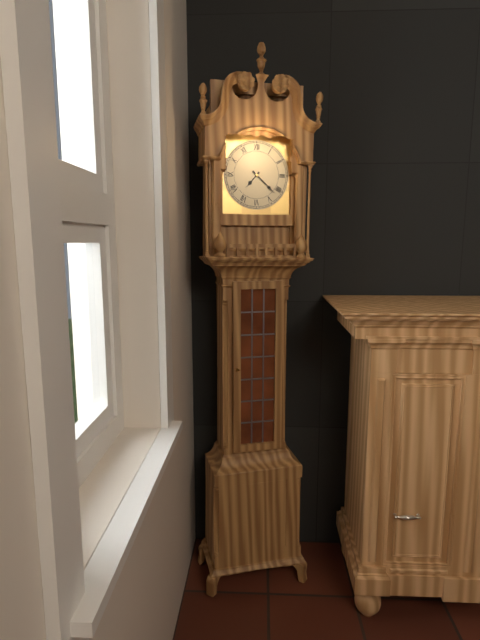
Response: 7:22
